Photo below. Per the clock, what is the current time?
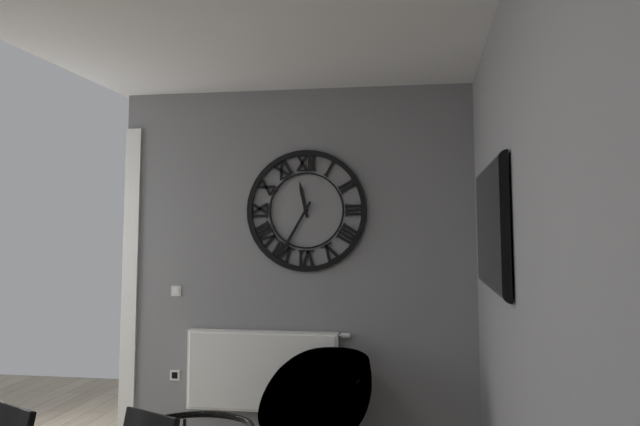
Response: 11:35
